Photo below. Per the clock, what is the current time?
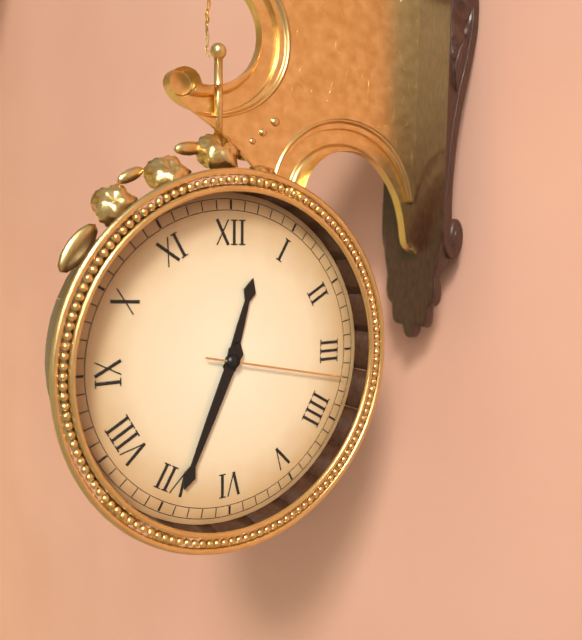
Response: 12:34:17
